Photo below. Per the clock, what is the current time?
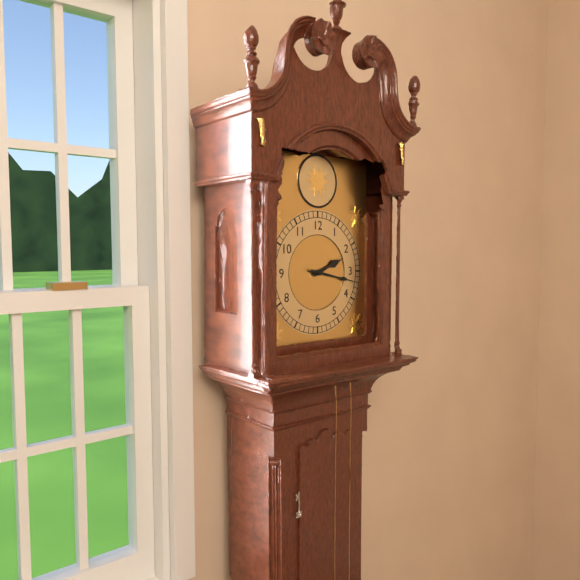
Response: 2:17
